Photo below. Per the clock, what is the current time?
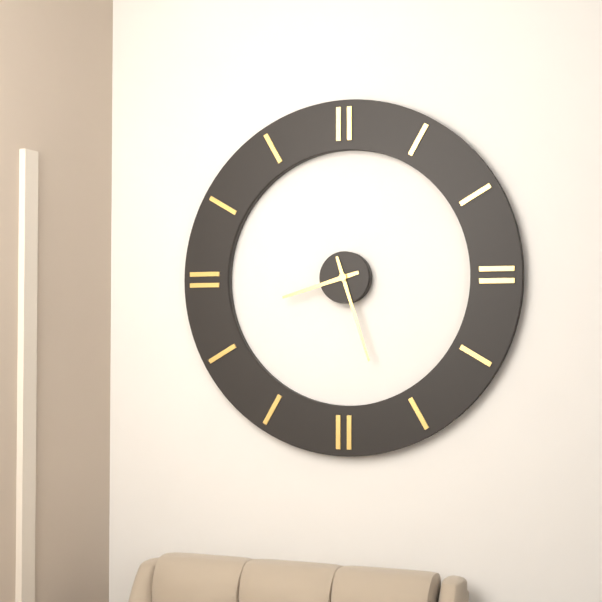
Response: 8:27
